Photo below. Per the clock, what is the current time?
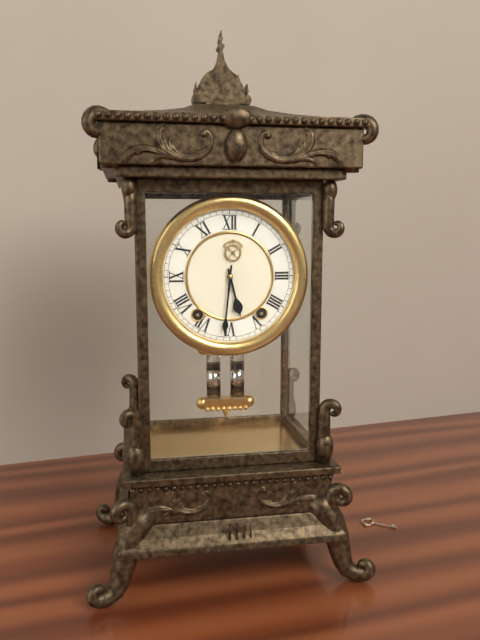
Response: 5:31
